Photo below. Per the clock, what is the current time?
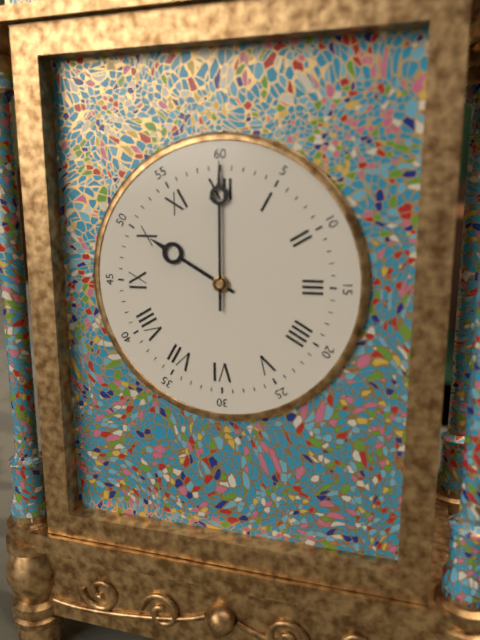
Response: 10:00
